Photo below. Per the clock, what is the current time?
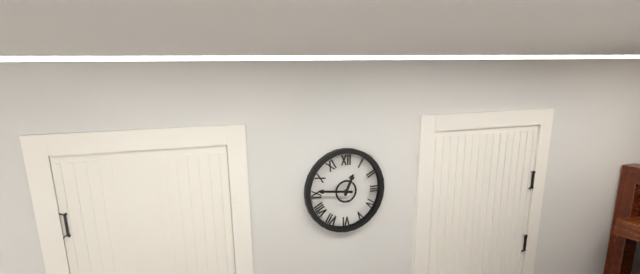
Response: 12:46
